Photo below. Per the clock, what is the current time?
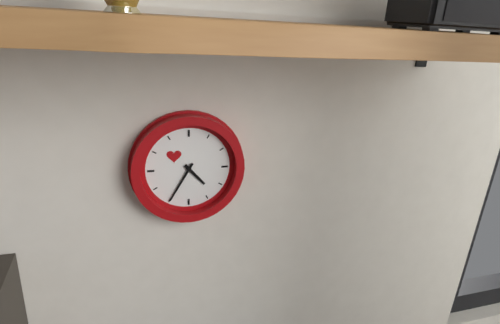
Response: 4:35
